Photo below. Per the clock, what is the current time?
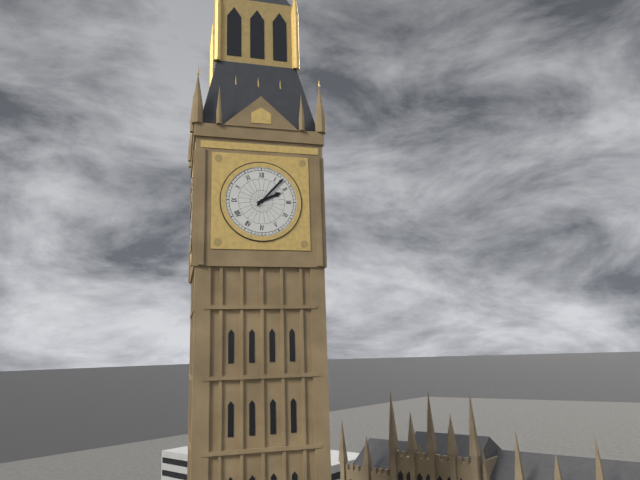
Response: 2:07
